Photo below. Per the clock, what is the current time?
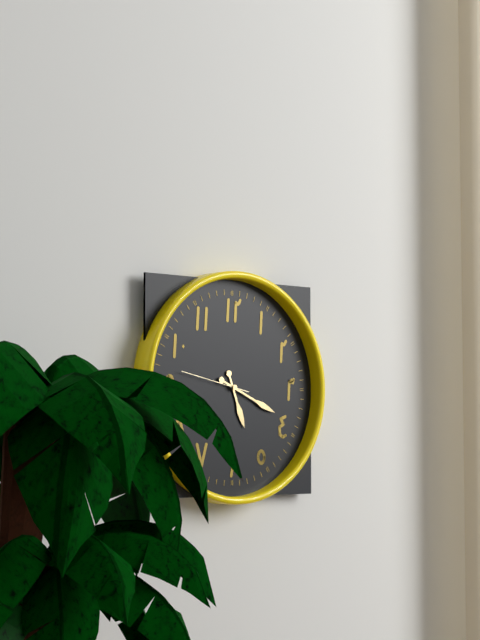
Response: 5:19:47
